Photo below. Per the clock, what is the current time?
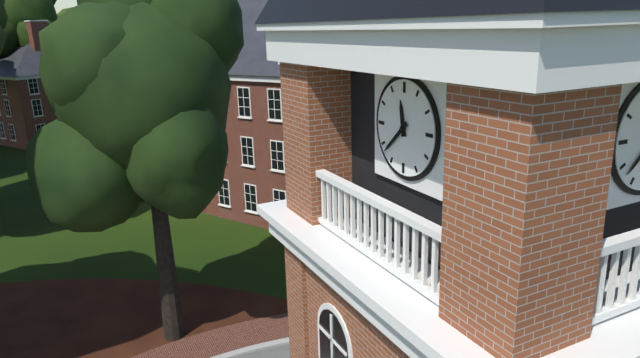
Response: 11:38
